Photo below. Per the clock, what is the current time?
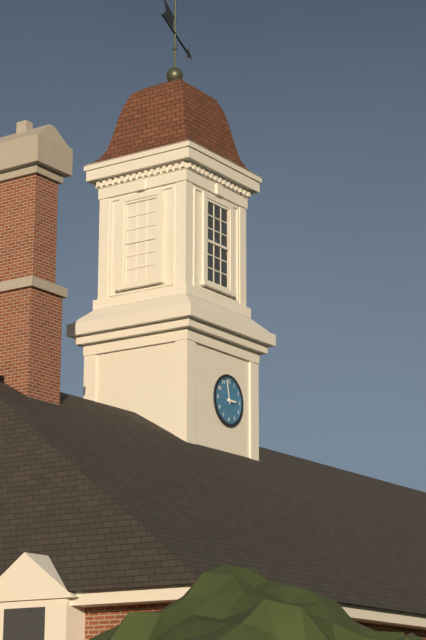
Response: 2:58
